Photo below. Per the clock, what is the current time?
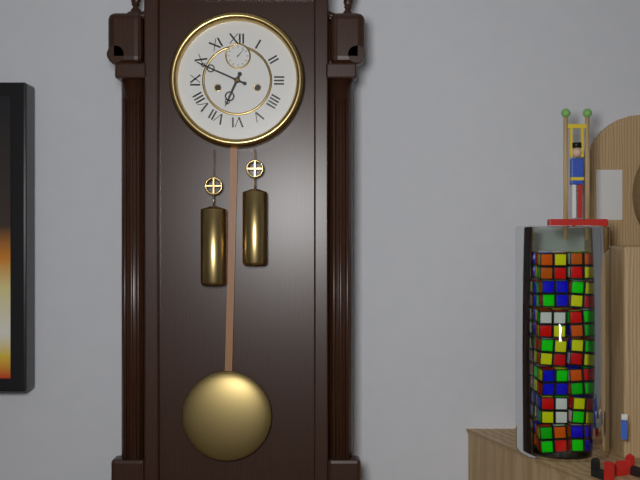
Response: 6:49
